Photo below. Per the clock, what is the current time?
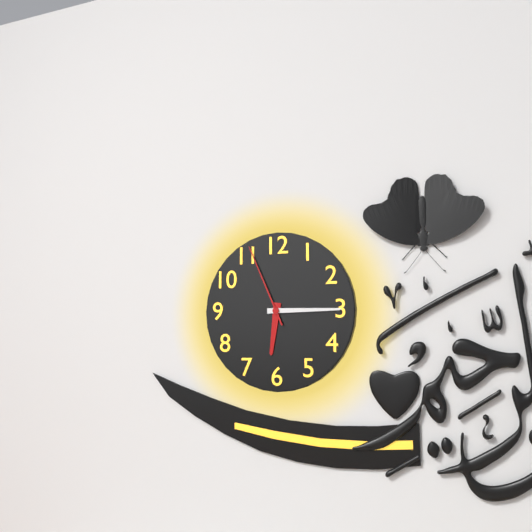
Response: 6:15:56
